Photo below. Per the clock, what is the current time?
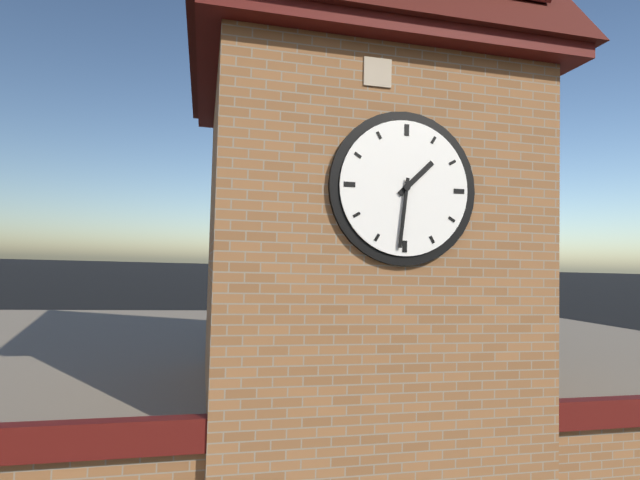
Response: 1:31
